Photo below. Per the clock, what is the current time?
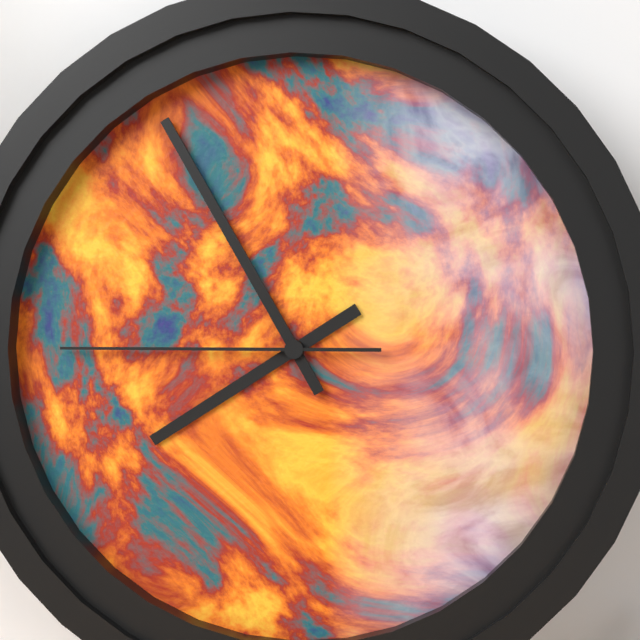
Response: 7:55:45
